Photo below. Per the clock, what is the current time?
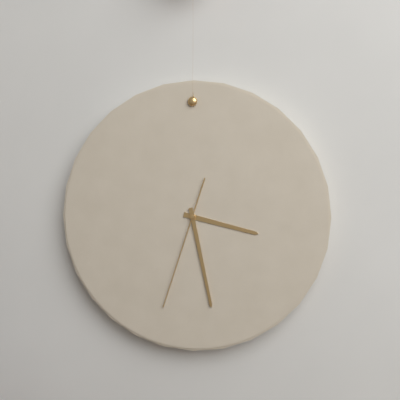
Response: 3:28:33
